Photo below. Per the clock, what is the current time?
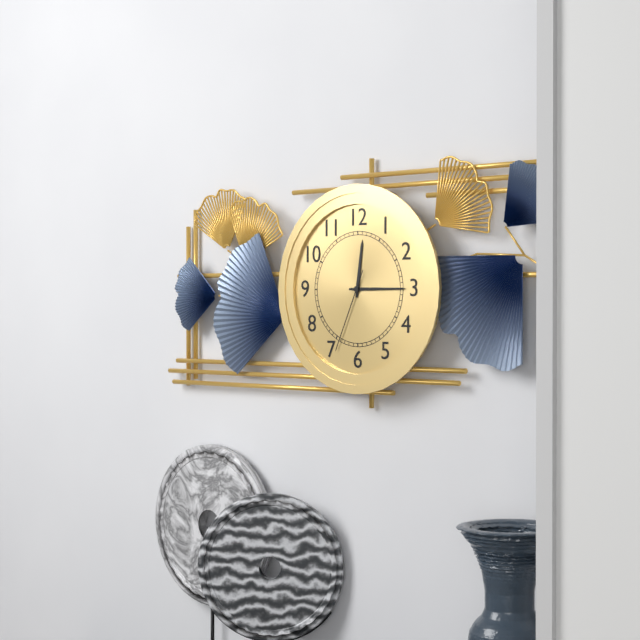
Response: 12:15:34
